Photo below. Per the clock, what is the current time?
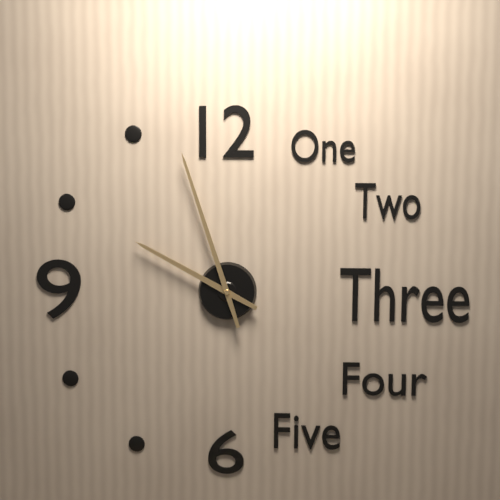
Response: 9:57
